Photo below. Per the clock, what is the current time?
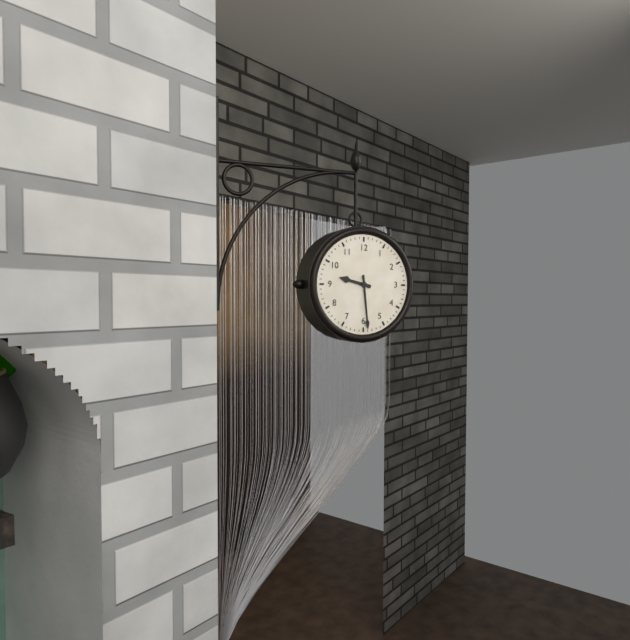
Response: 9:29
